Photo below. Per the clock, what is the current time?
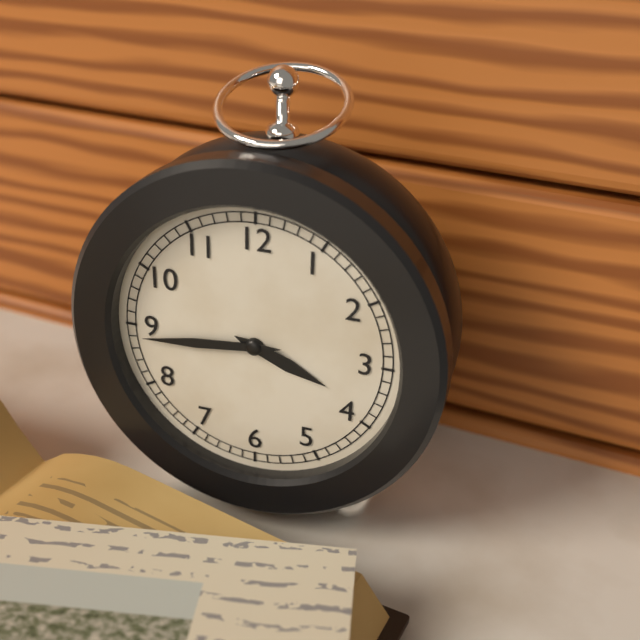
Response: 3:44
